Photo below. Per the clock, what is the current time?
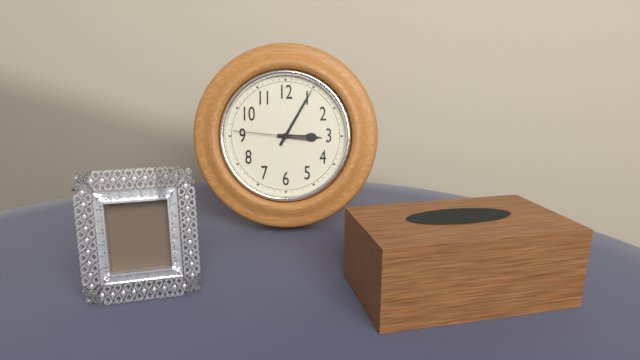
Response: 3:05:46
